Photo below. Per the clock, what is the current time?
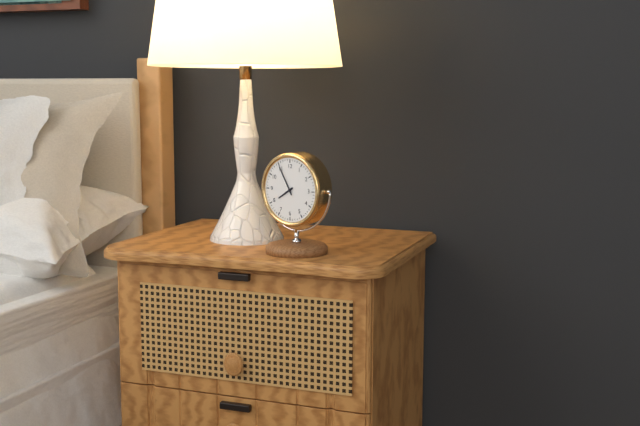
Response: 7:55
